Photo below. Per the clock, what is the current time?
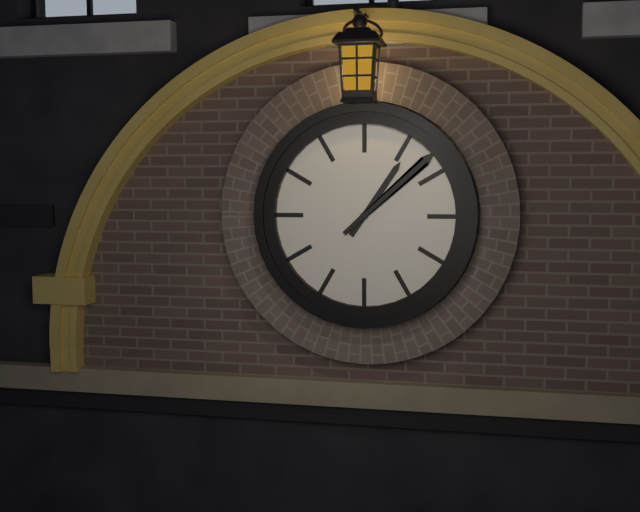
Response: 1:08
